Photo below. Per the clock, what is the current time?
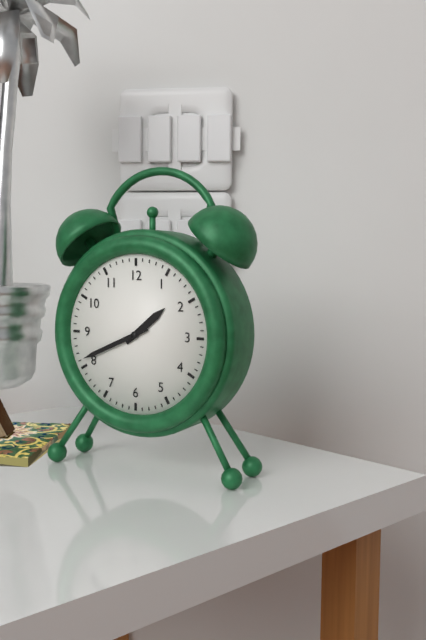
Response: 1:41
